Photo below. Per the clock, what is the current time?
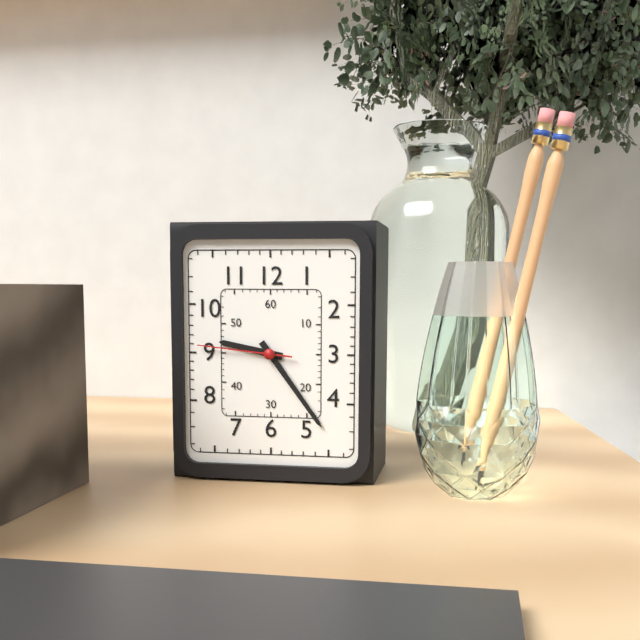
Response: 9:24:46
